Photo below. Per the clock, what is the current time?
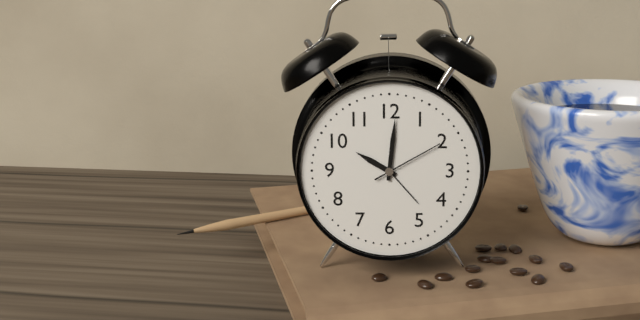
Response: 10:01:10
